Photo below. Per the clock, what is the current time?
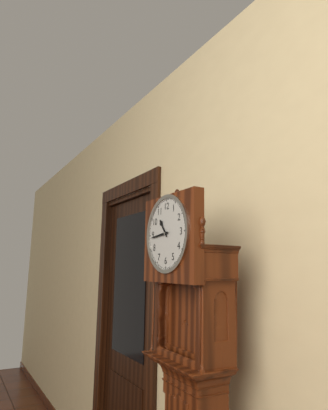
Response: 10:44
